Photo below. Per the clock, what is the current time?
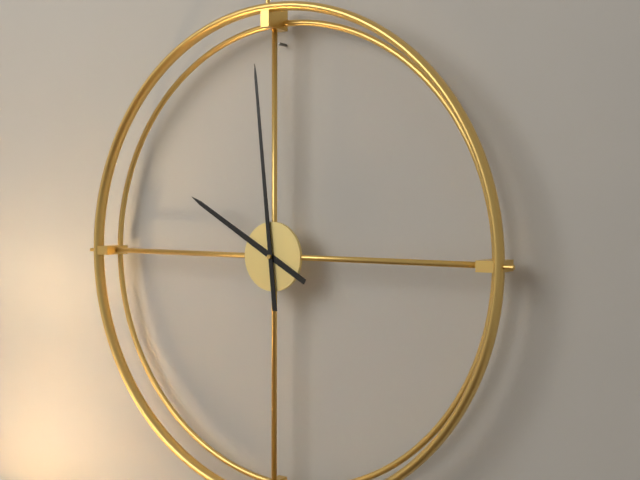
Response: 9:59
